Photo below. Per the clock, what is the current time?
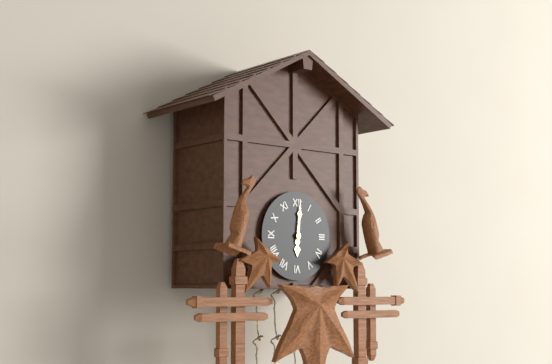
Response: 6:01
